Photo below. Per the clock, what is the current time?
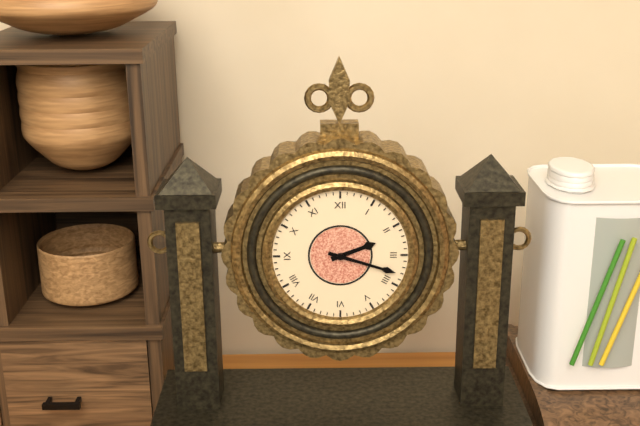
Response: 2:18
